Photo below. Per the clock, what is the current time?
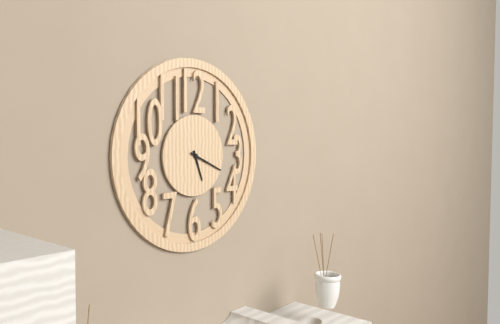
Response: 5:19
